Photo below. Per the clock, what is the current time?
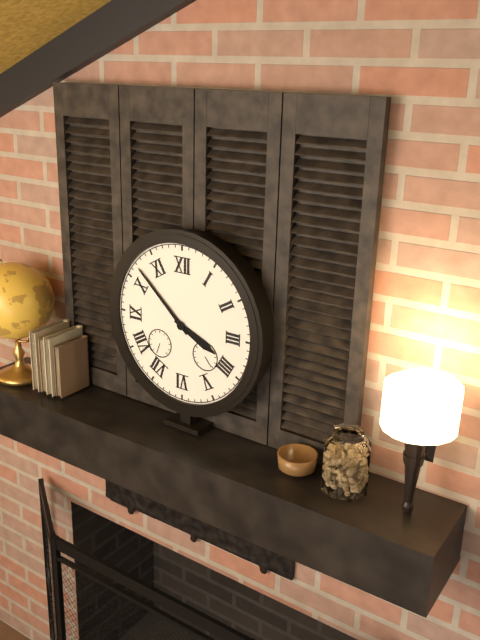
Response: 3:52
